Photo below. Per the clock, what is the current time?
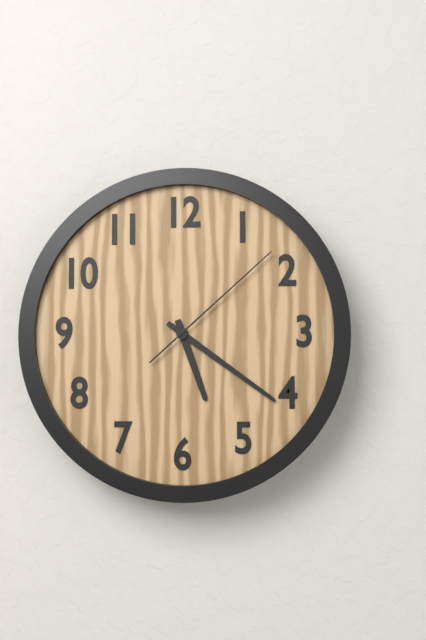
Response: 5:21:08
